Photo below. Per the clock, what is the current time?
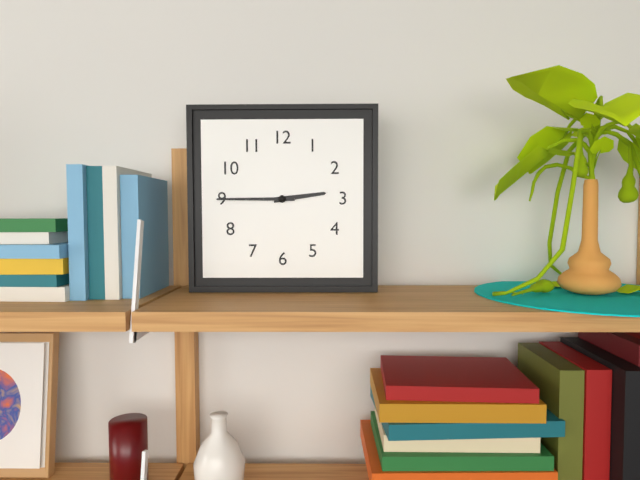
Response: 2:45
